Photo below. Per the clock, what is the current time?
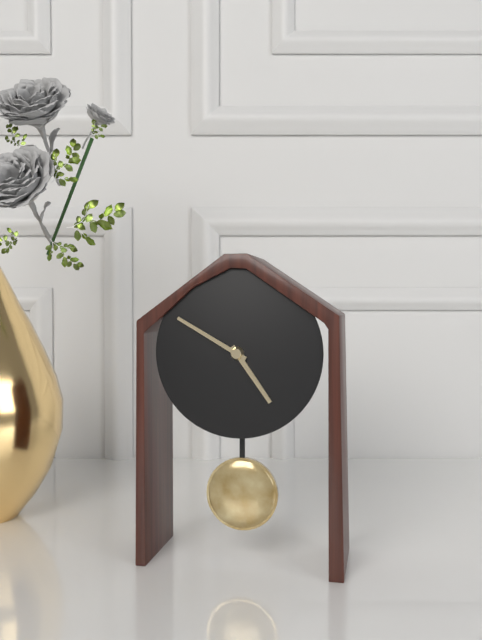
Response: 4:50
